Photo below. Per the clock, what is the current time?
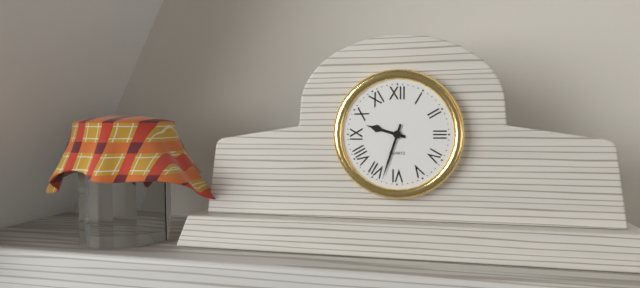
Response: 9:33
